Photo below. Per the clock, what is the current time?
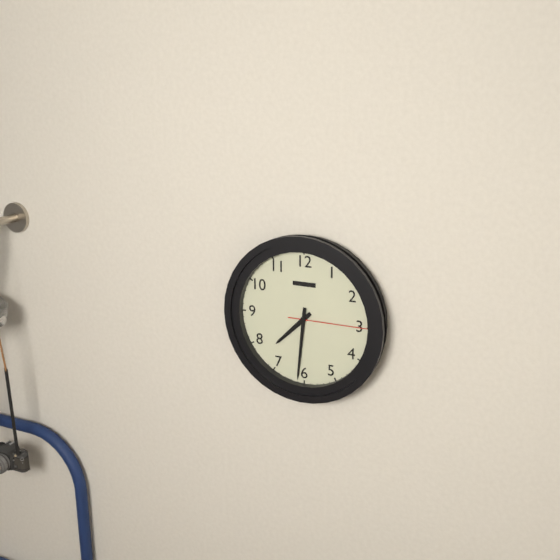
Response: 7:31:15
